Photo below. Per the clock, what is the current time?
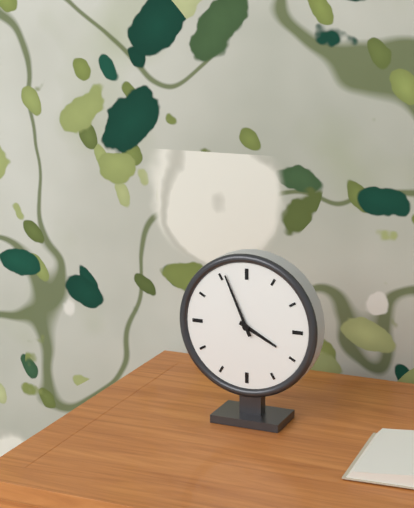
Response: 3:56
